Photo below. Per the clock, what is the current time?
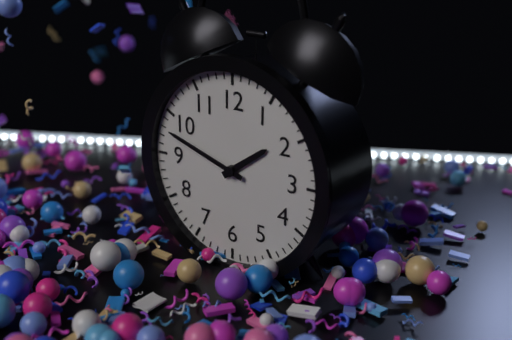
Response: 1:48
